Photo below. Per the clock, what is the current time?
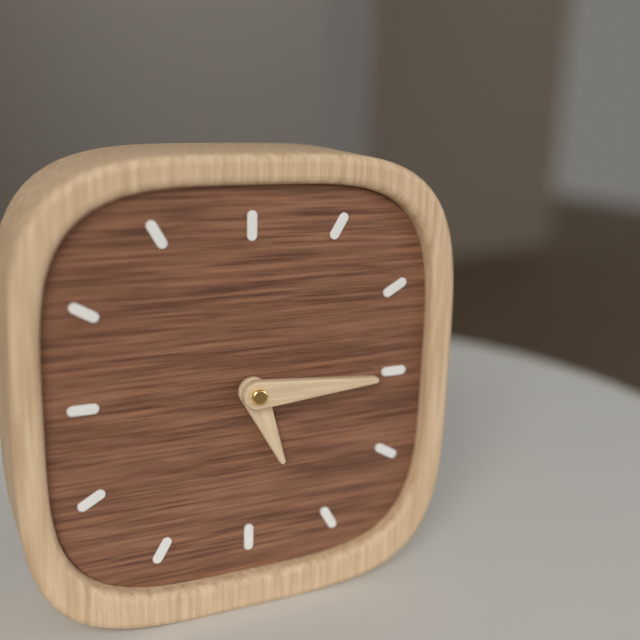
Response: 5:15
